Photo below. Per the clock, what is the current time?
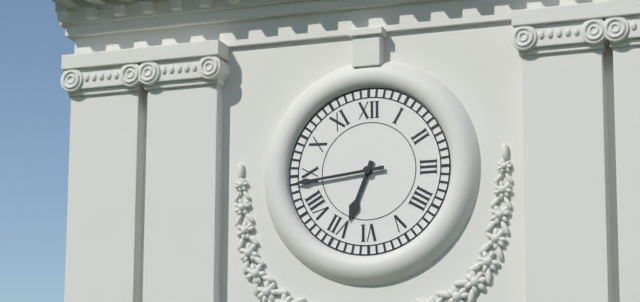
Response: 6:44
